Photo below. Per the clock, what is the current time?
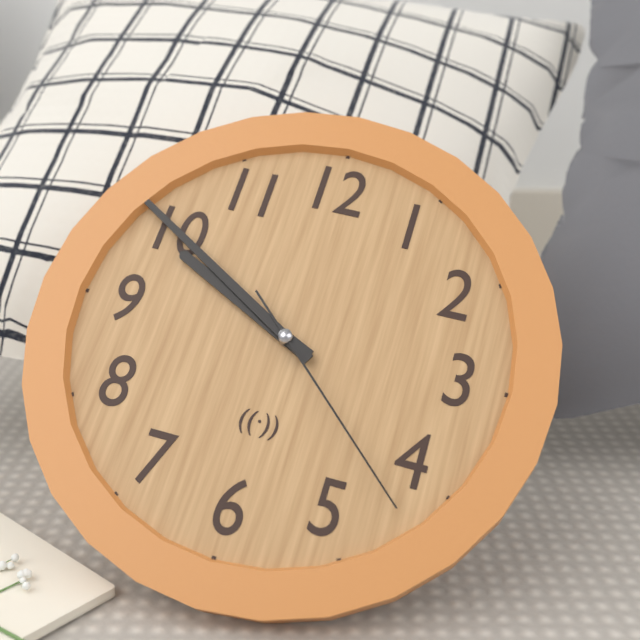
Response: 9:50:22
